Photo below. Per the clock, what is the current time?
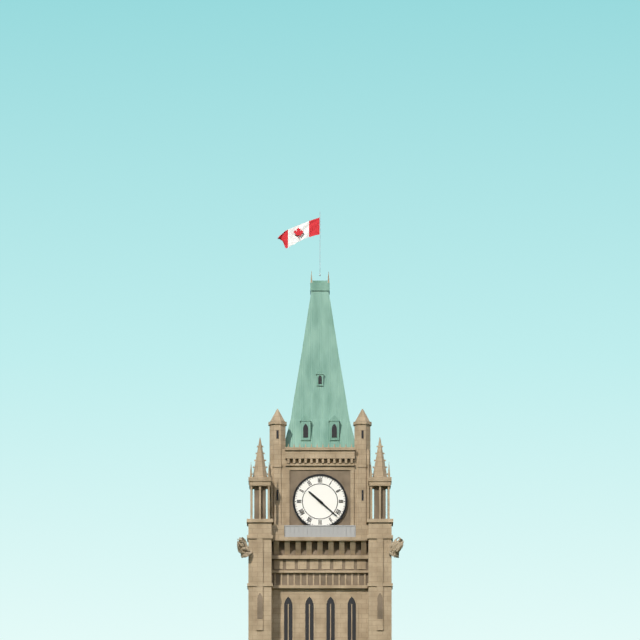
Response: 10:22
